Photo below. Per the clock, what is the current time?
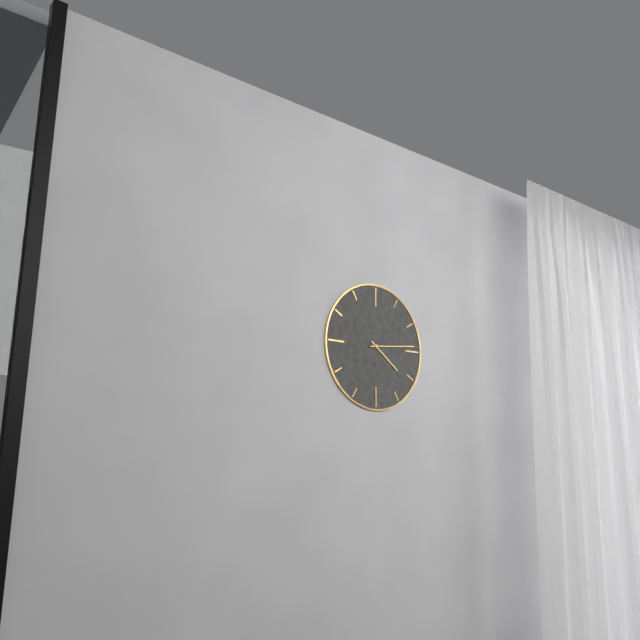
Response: 4:14
